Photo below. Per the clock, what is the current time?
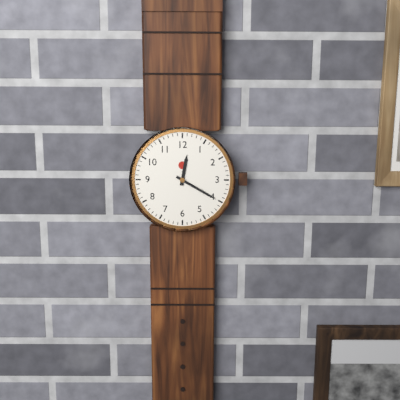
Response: 12:20
